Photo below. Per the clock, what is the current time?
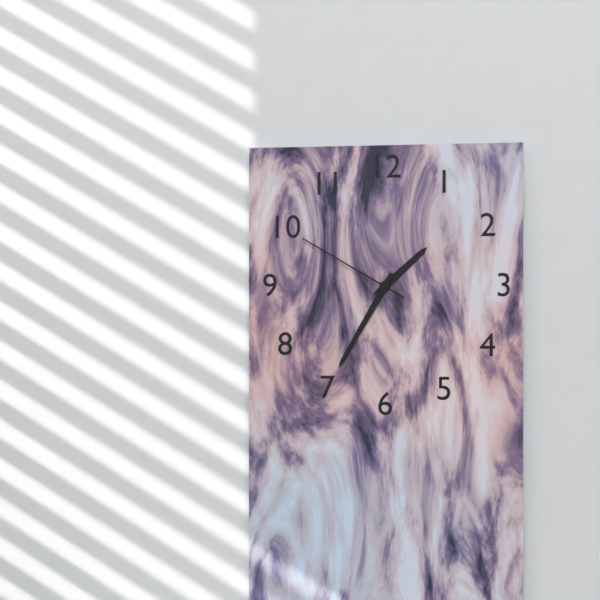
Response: 1:35:50
